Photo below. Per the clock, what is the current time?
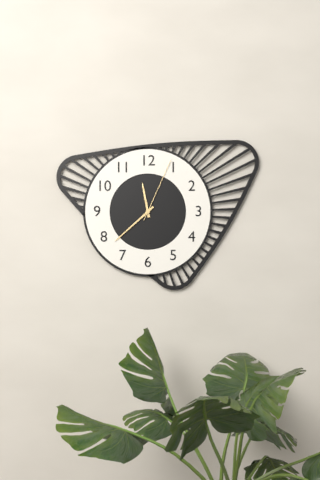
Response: 11:38:04
